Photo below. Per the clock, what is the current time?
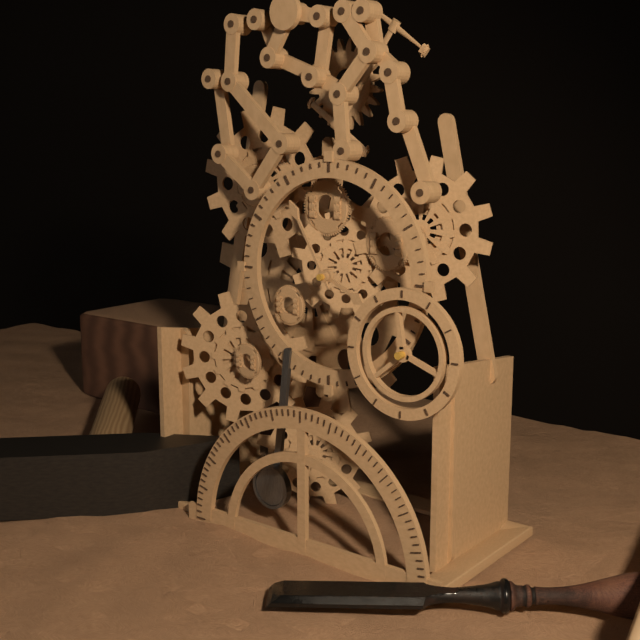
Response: 3:55
